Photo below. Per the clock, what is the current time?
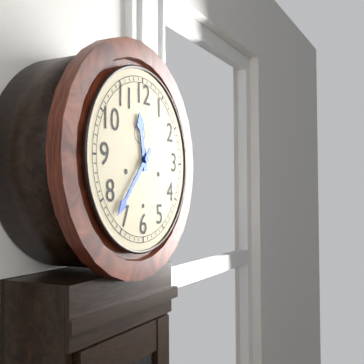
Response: 11:37
